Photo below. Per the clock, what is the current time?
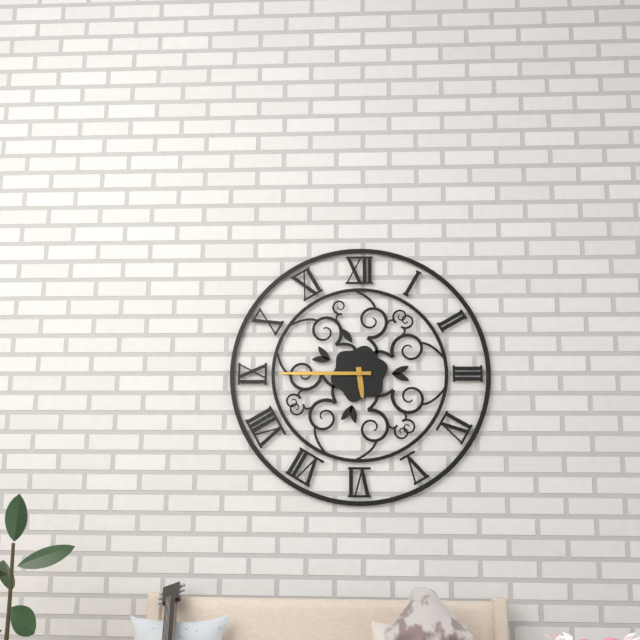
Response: 5:45
